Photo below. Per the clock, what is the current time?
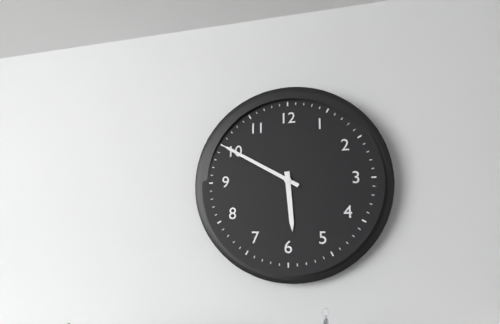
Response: 5:50
